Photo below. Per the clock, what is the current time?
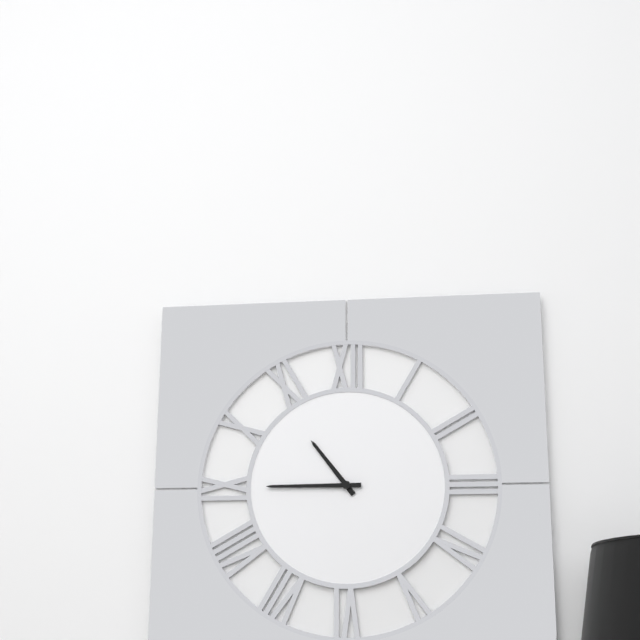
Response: 10:45
